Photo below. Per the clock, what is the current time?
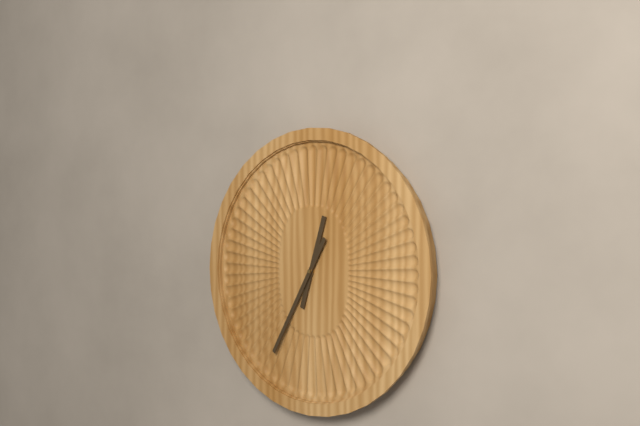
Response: 12:35
